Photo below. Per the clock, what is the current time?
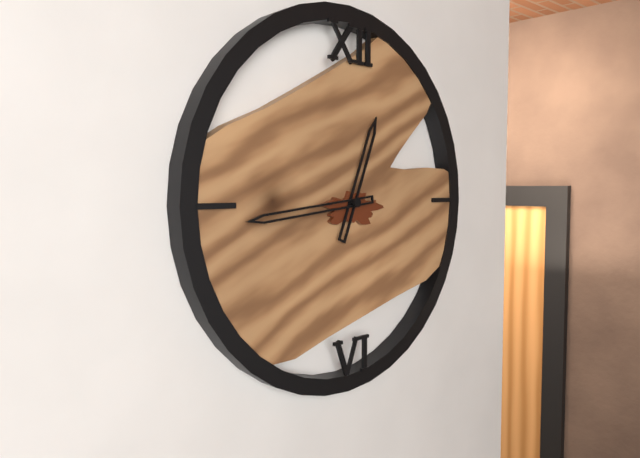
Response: 12:44
